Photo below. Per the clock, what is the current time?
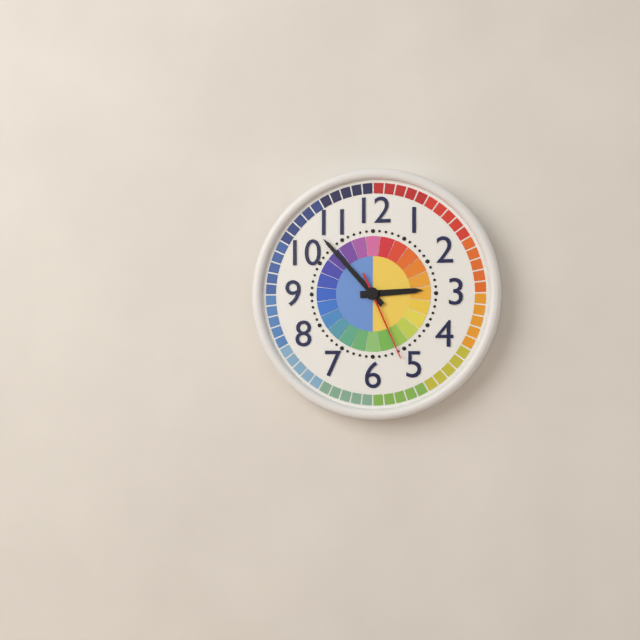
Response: 2:53:26
